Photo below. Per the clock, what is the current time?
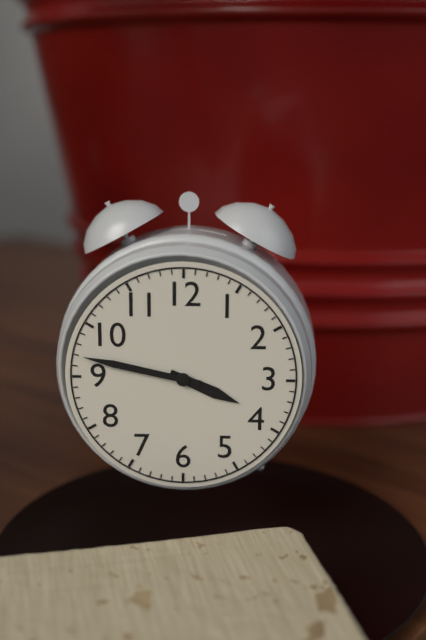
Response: 3:47
